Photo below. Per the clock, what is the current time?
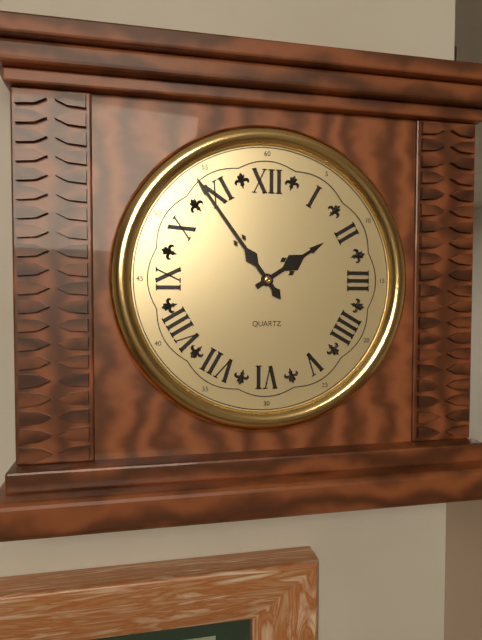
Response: 1:54
